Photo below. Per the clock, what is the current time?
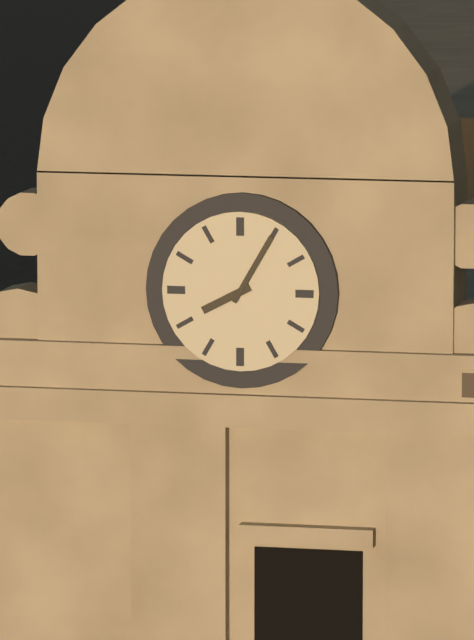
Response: 8:05
